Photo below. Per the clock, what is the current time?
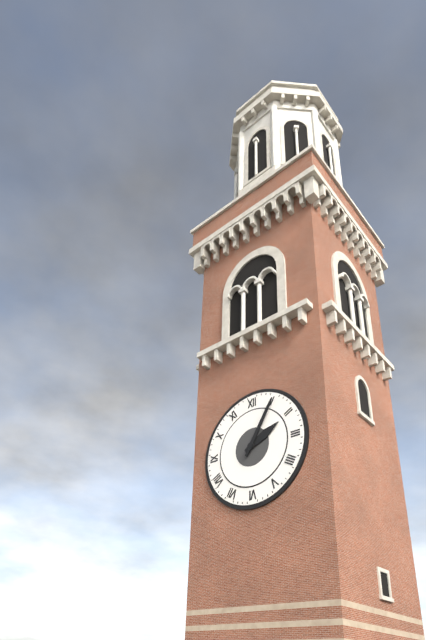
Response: 2:05
